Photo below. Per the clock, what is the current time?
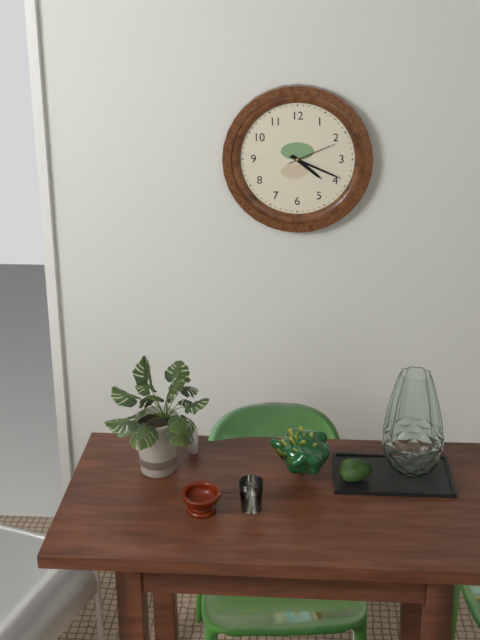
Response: 4:19:11
